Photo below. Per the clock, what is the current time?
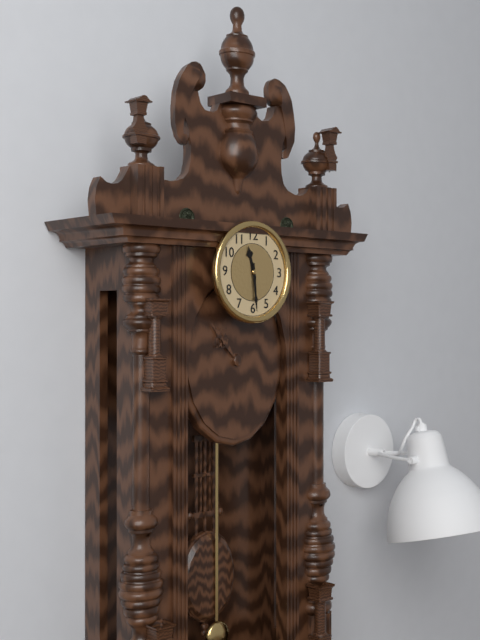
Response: 11:29
